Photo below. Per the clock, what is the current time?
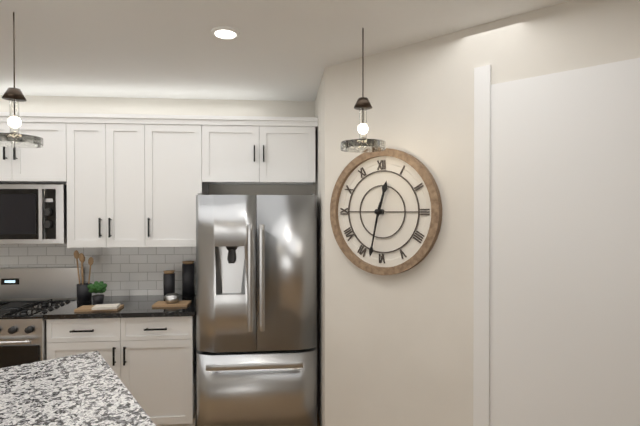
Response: 12:32
